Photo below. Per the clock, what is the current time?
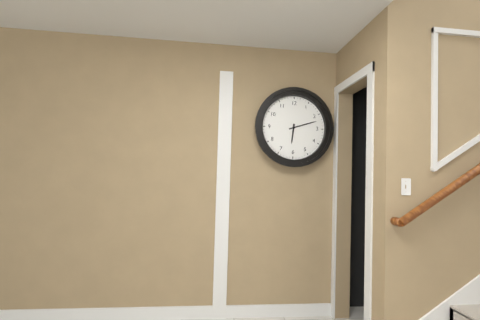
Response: 6:12
